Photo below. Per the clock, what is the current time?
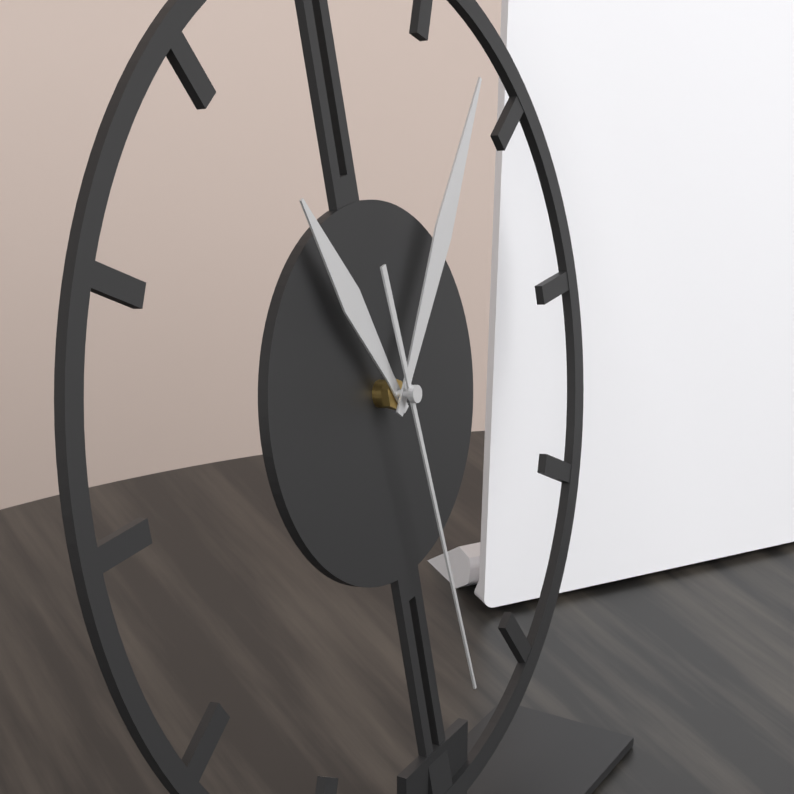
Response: 11:07:29
